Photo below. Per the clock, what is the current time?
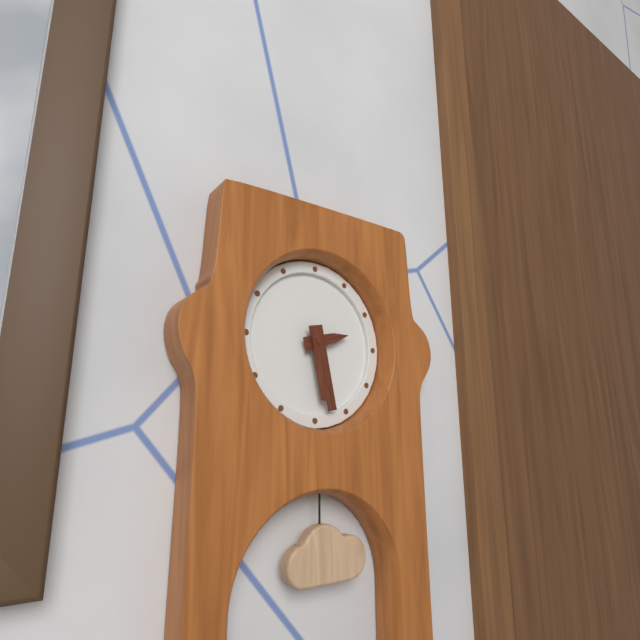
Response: 2:28
